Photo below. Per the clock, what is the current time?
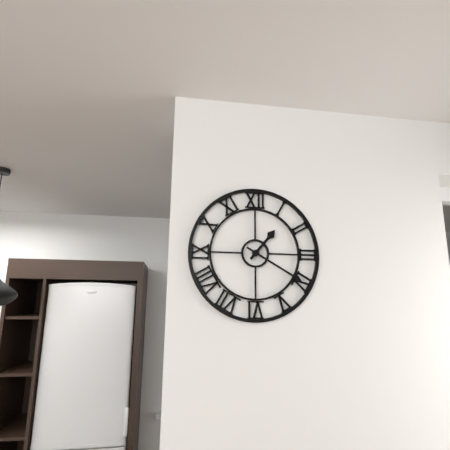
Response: 1:20
